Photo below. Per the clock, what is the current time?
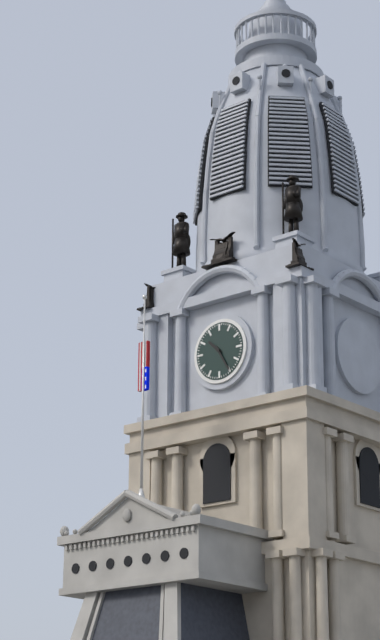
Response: 10:25
